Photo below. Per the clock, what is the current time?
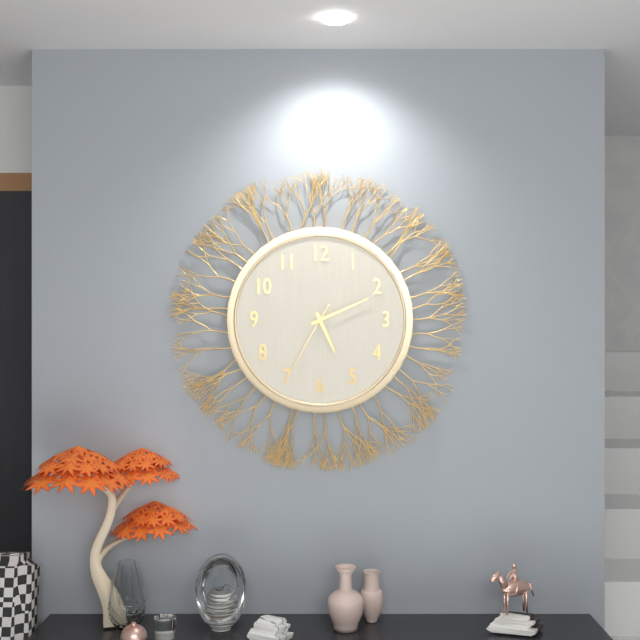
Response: 5:11:35
